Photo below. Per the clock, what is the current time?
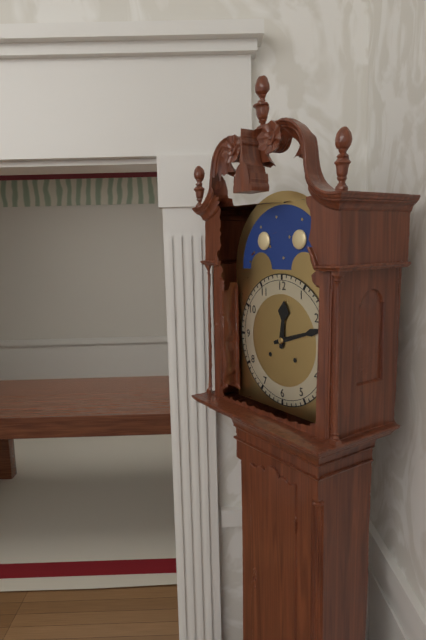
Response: 12:12
